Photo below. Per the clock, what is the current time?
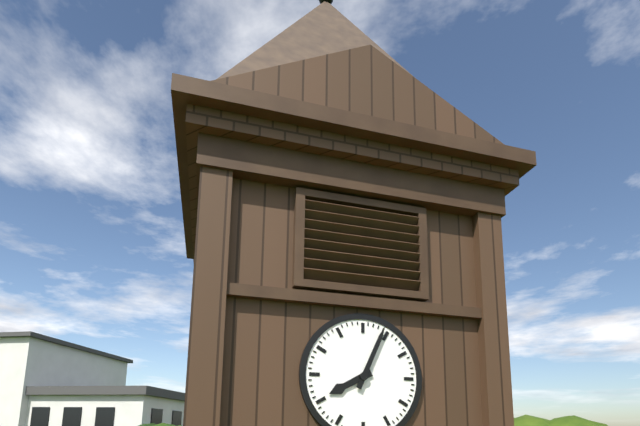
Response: 8:04
